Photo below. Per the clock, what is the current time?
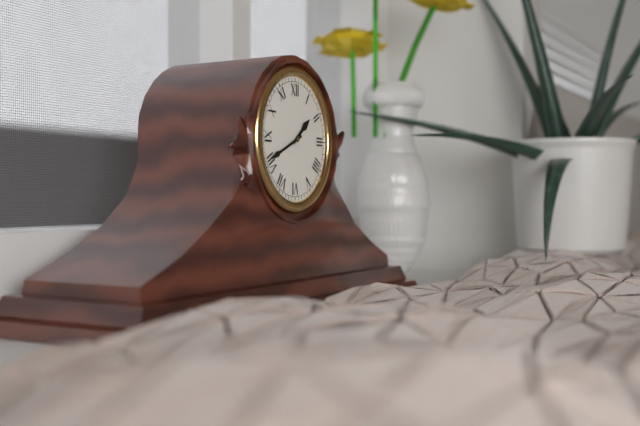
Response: 1:41
